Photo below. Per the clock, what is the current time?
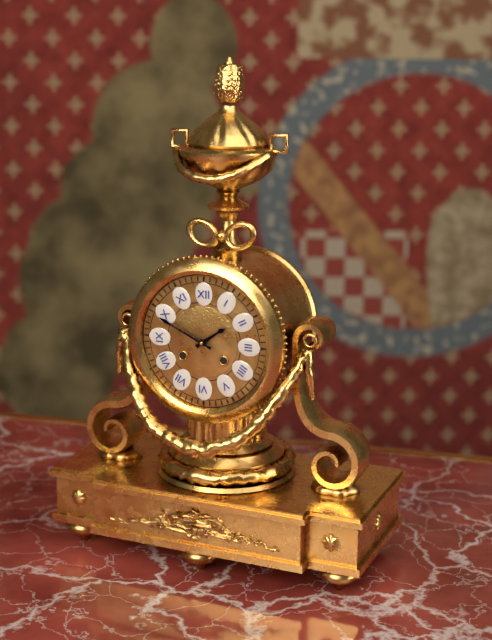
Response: 1:49
